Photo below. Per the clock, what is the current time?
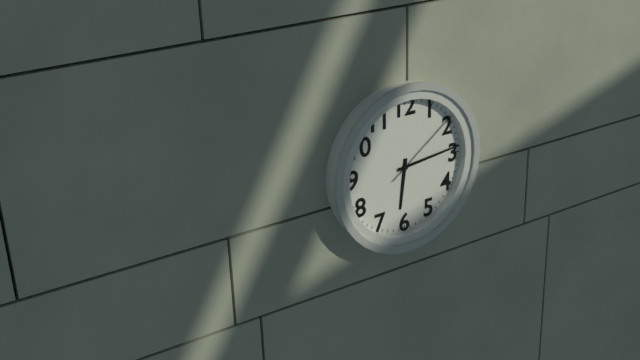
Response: 6:14:09
